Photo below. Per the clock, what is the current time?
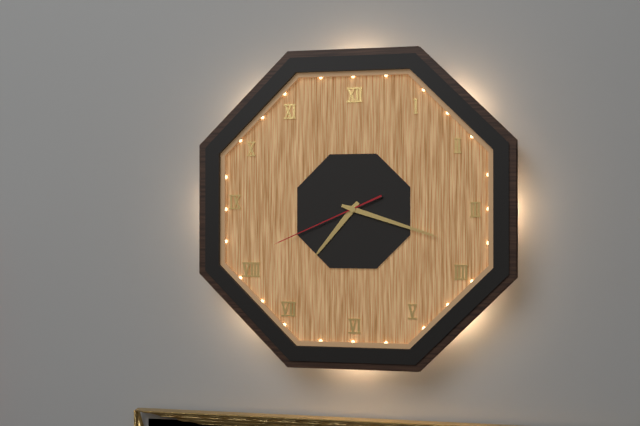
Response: 7:18:41
